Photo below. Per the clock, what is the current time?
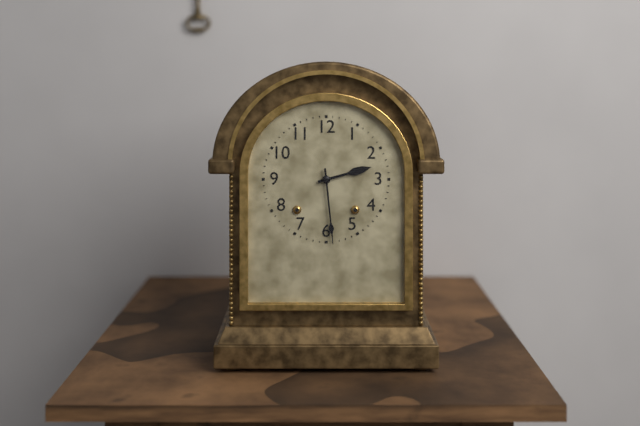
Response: 2:29
